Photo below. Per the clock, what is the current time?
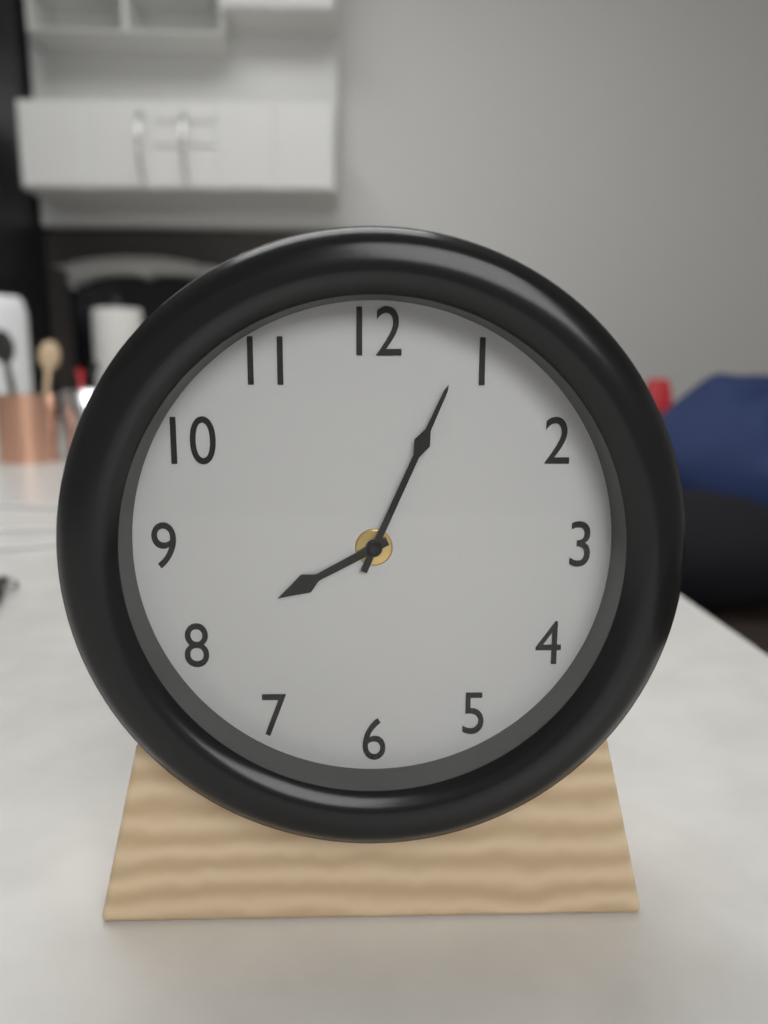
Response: 8:04
